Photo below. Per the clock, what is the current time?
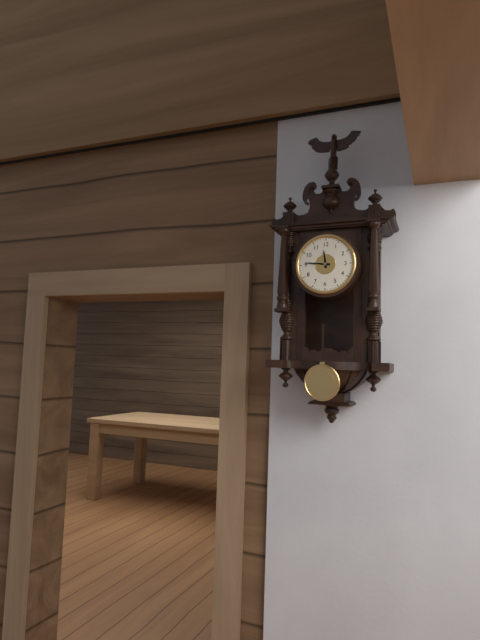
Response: 11:46
